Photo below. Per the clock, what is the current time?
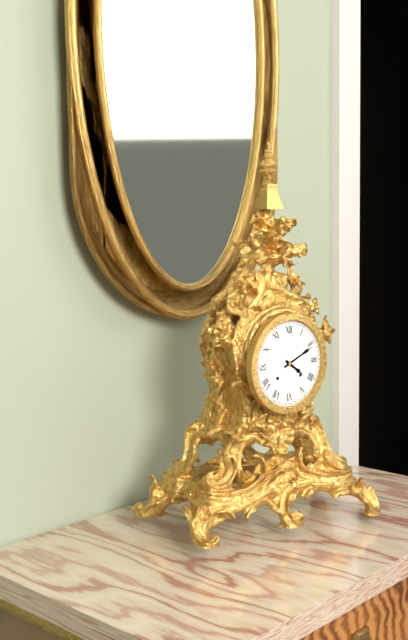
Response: 4:11
